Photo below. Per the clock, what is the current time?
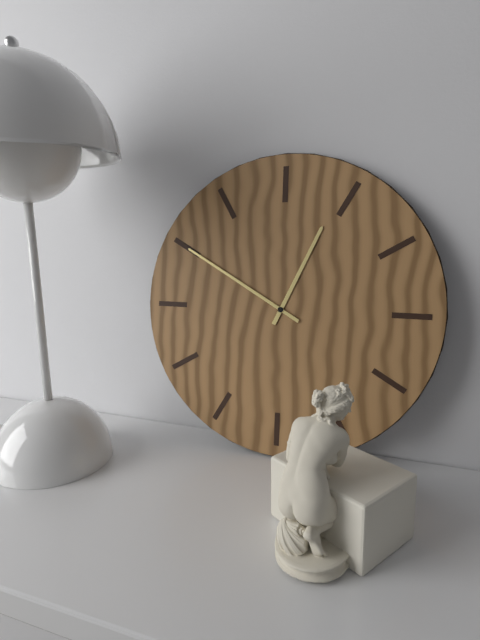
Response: 12:50
